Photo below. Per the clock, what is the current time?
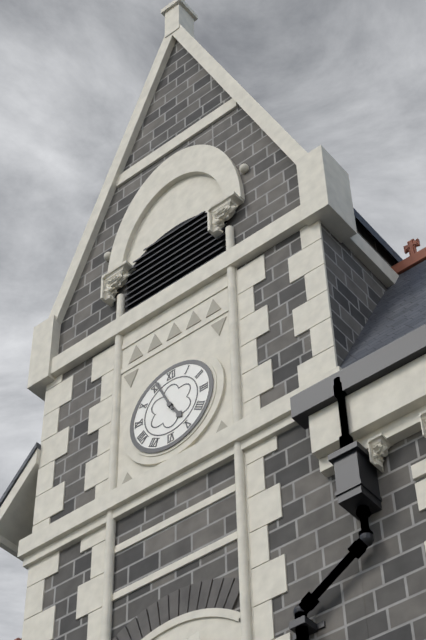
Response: 4:56
